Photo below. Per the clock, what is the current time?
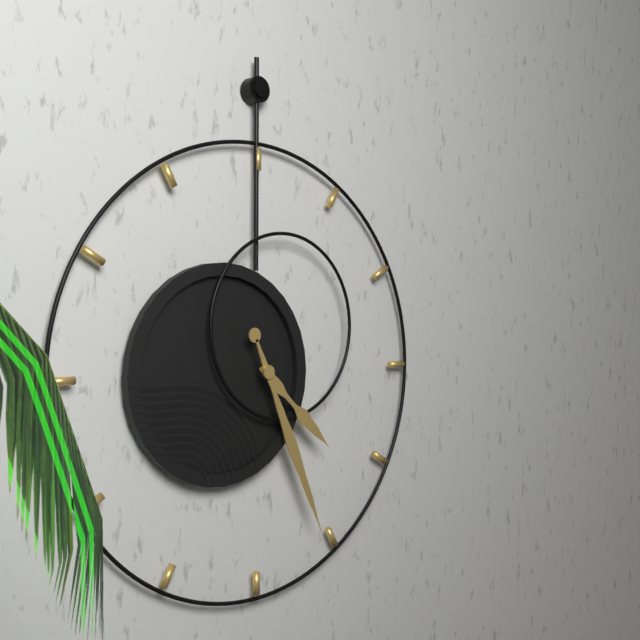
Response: 4:26
